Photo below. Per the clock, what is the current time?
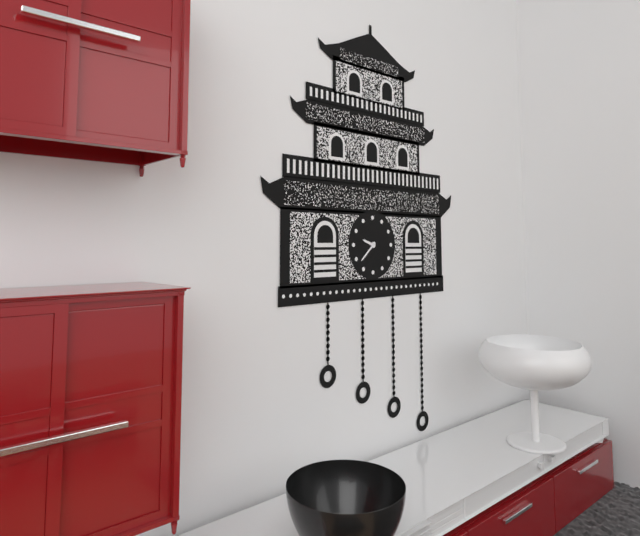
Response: 9:38
